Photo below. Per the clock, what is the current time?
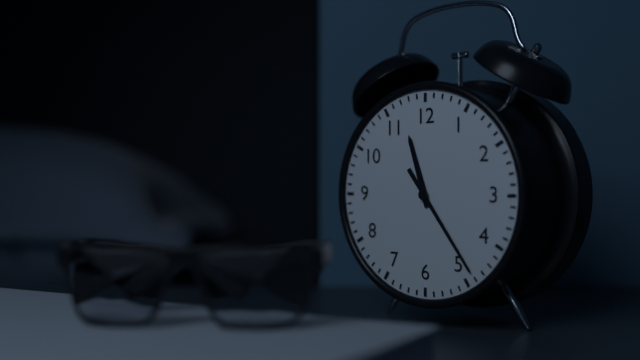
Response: 11:24
